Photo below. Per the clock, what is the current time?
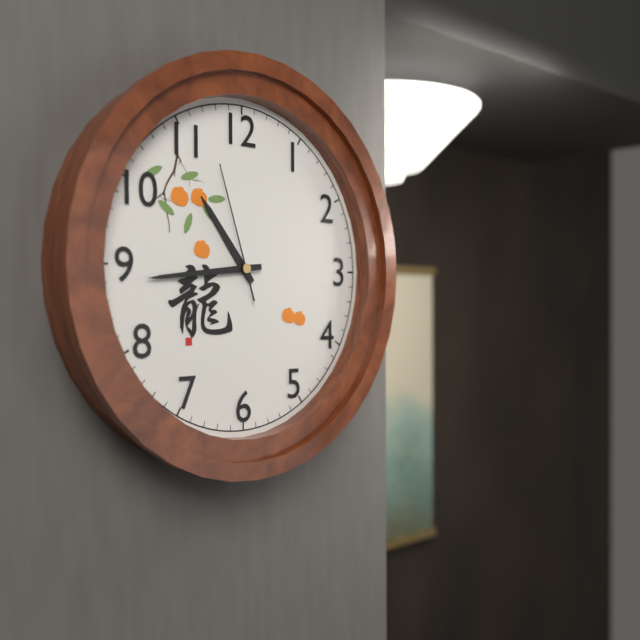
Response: 10:44:57
